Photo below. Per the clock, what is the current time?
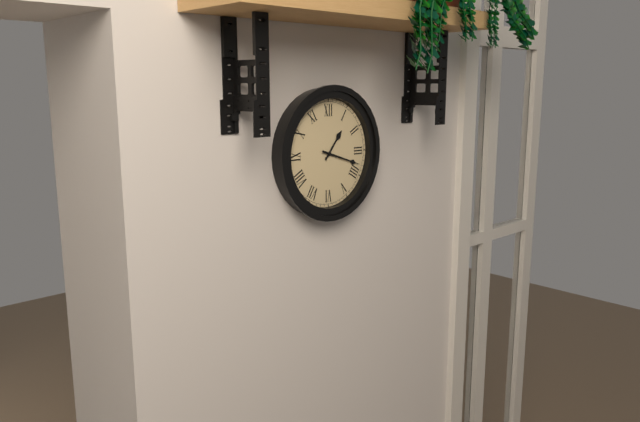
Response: 1:18
